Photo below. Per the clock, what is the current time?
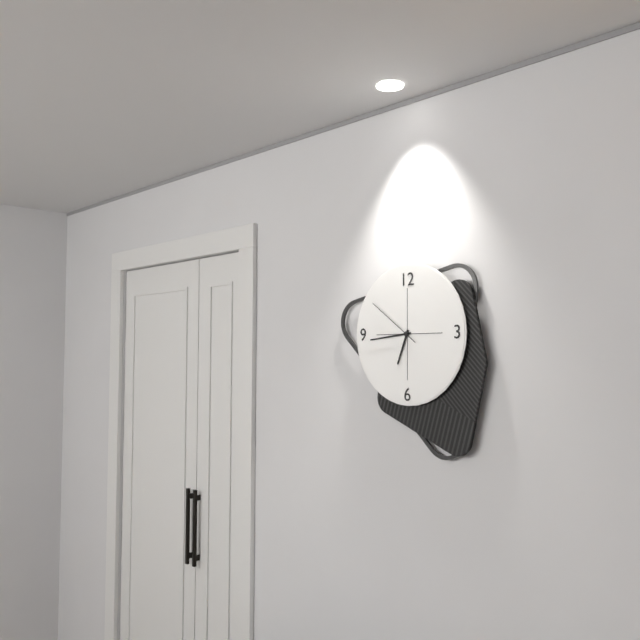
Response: 6:44:51
